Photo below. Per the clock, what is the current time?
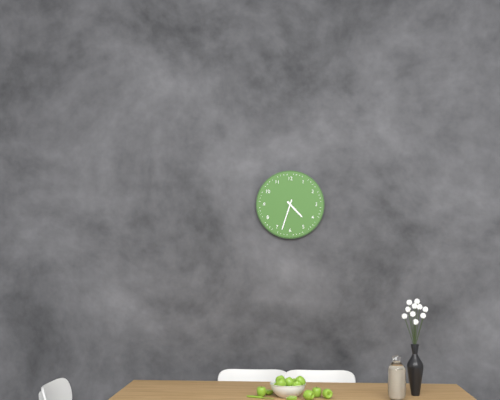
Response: 4:33
